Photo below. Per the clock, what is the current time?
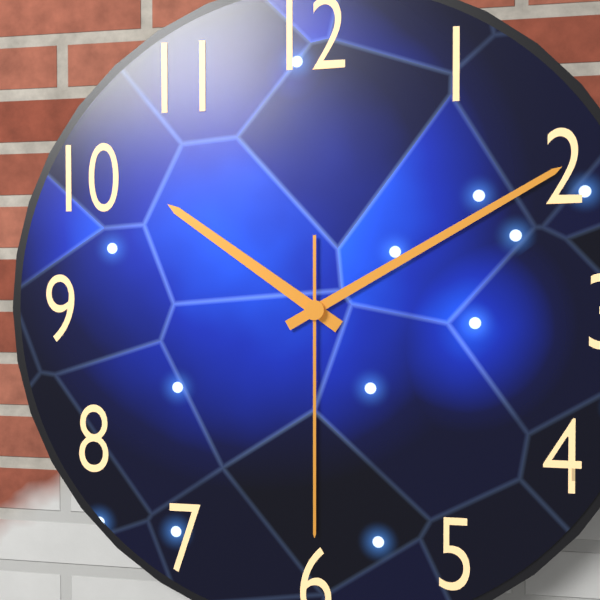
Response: 10:10:30
